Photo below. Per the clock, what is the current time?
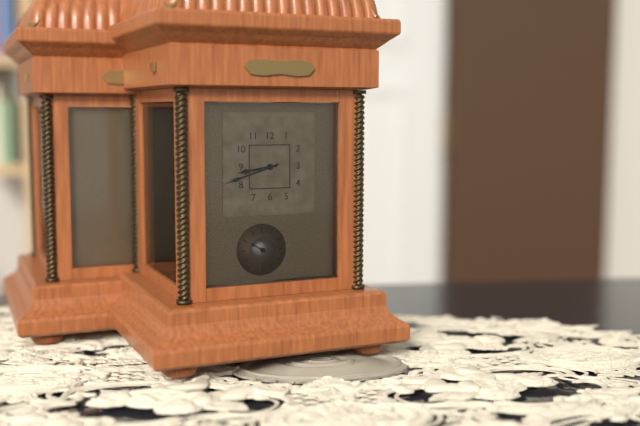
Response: 8:42
